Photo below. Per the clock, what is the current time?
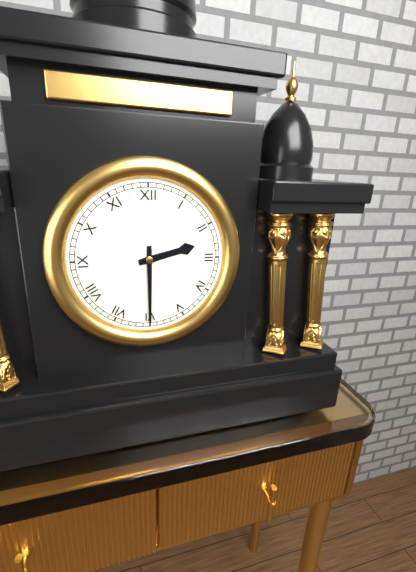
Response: 2:30
